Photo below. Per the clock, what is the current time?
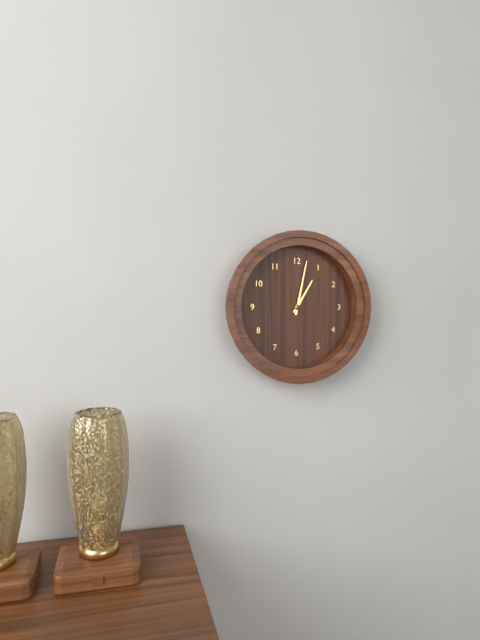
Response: 1:02
